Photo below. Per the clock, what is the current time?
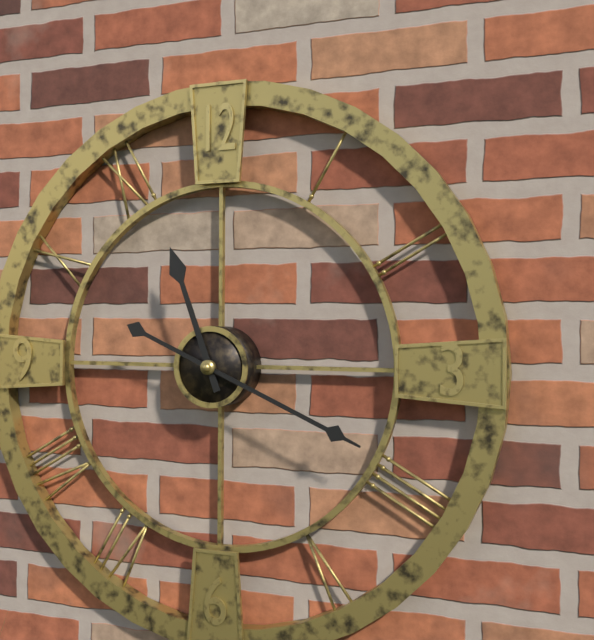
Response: 11:19
